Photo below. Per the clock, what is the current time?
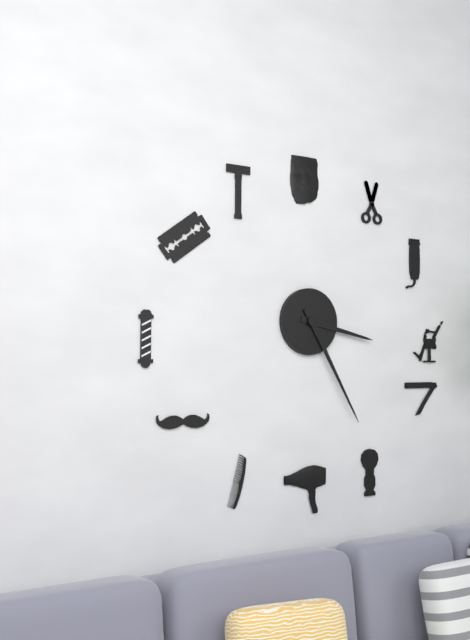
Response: 3:25
